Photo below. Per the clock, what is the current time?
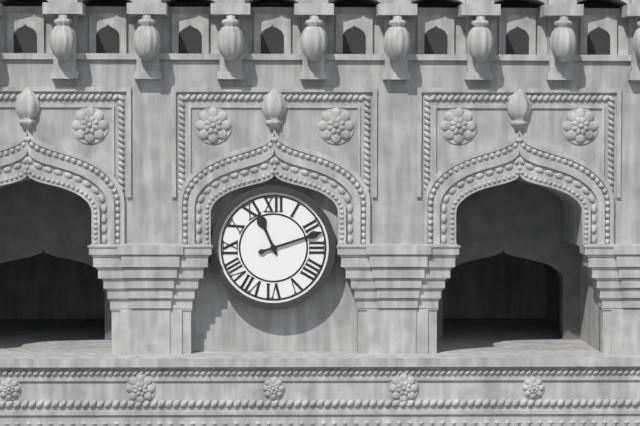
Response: 11:12
